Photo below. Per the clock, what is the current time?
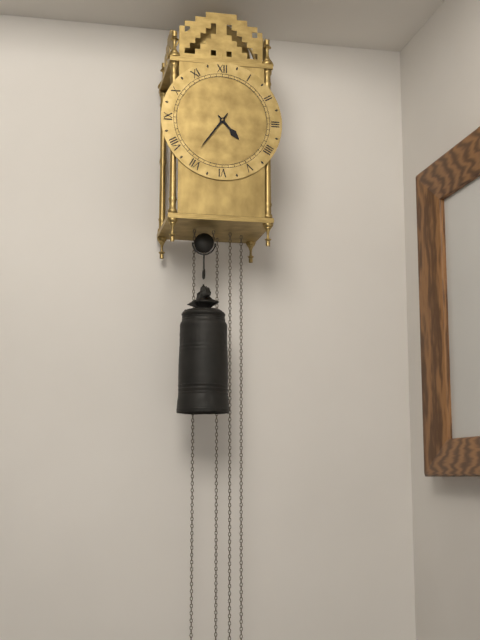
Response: 4:36
